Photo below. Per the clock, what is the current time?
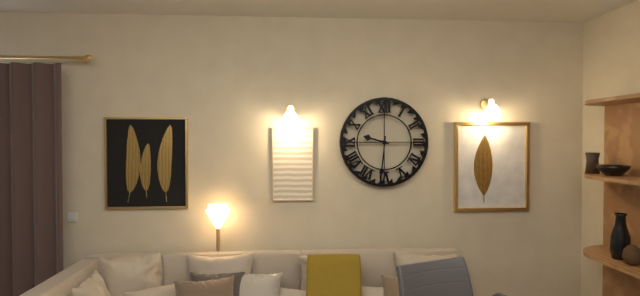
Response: 9:31
